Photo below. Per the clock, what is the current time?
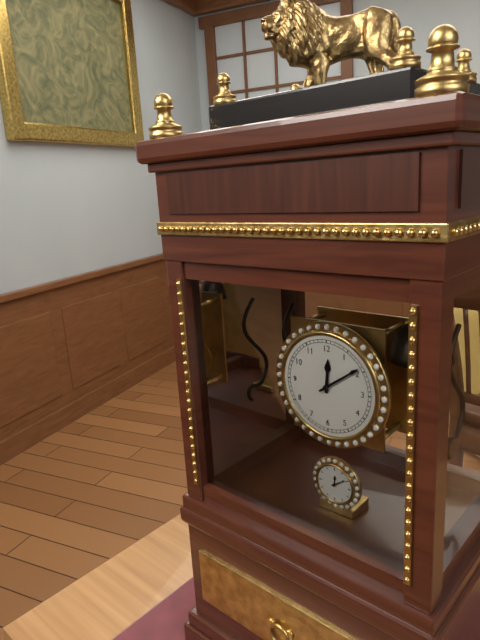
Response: 12:09
